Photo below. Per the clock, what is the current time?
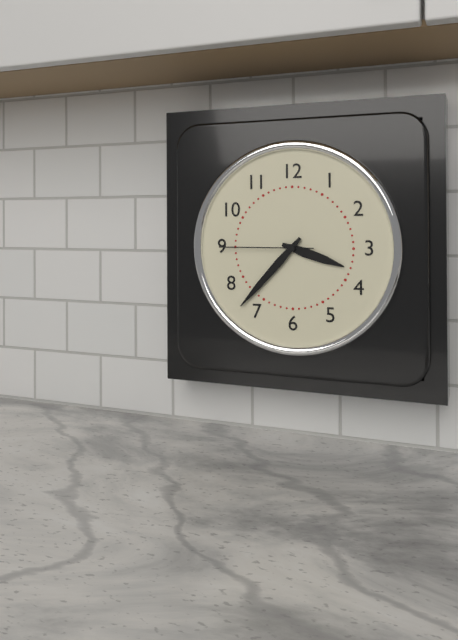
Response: 3:37:45
